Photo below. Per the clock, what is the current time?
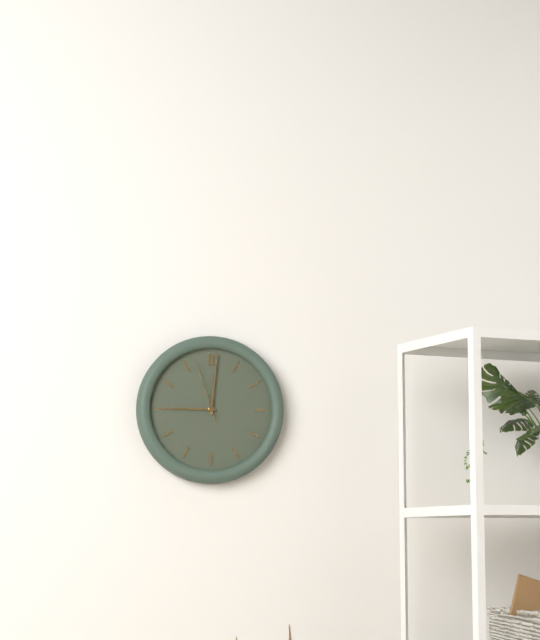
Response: 9:01:57
